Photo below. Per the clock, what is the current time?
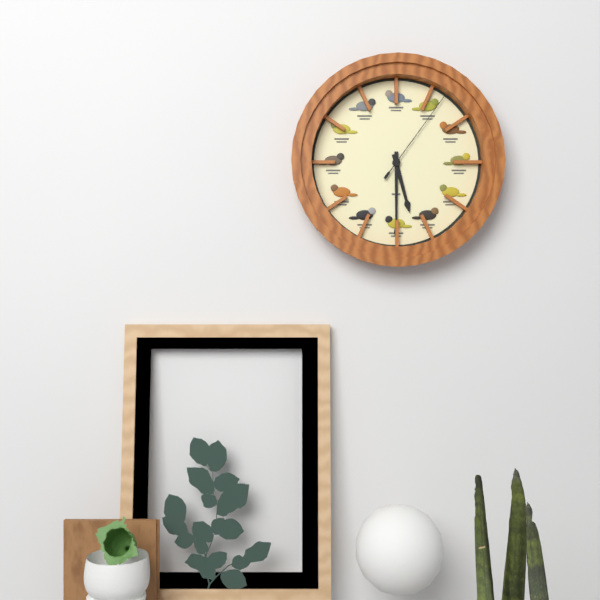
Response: 5:30:06
